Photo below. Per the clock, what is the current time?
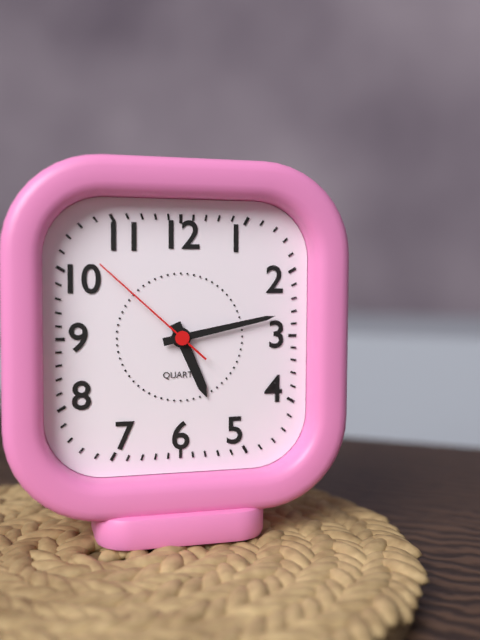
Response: 5:13:52
